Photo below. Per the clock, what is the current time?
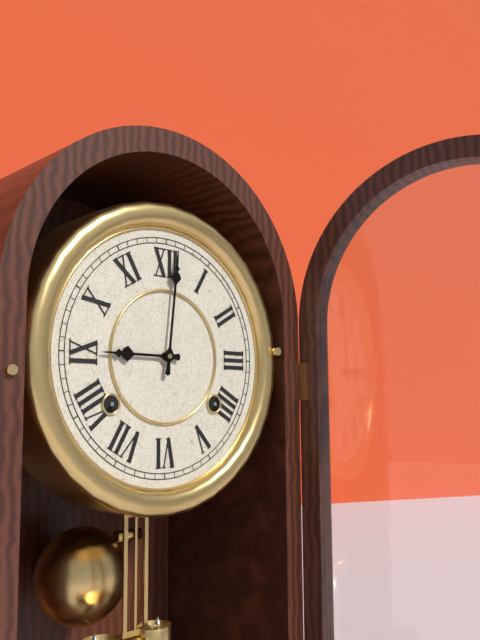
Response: 9:01
